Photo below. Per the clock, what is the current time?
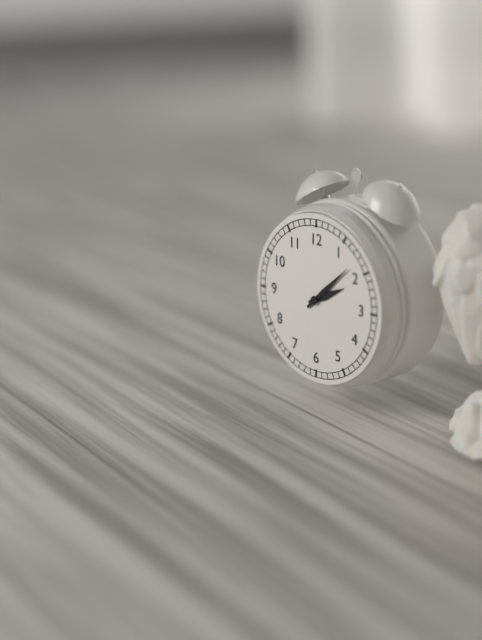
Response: 2:08
